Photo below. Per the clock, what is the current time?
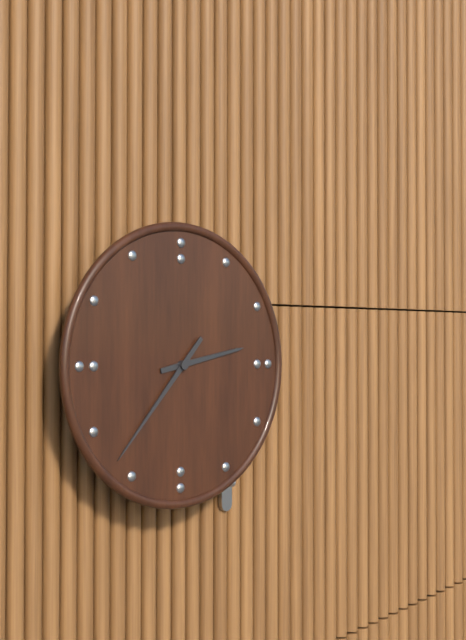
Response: 2:37
